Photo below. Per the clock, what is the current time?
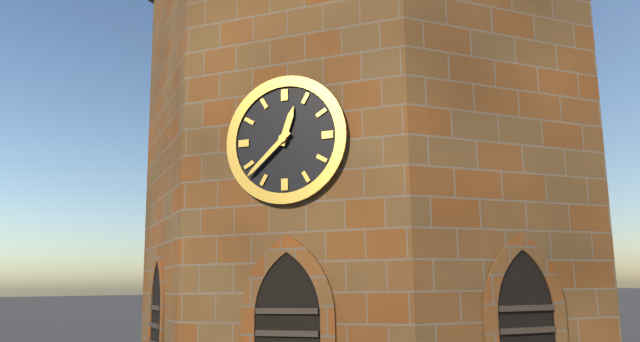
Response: 12:38
